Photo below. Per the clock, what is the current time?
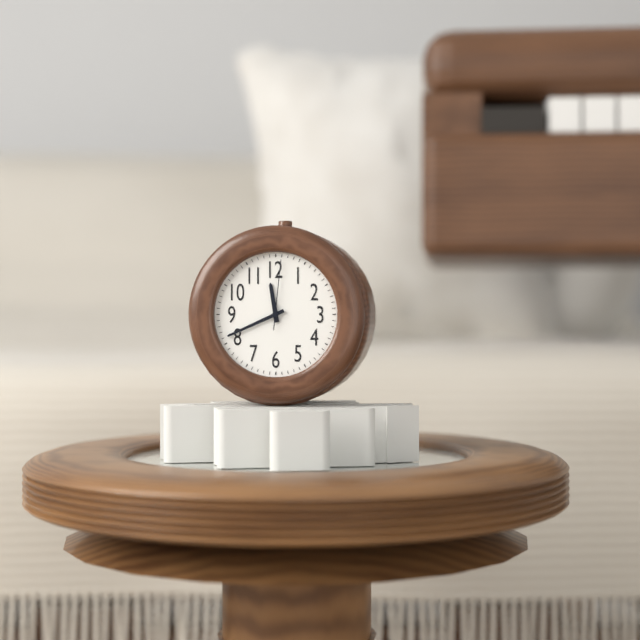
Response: 11:41:01
